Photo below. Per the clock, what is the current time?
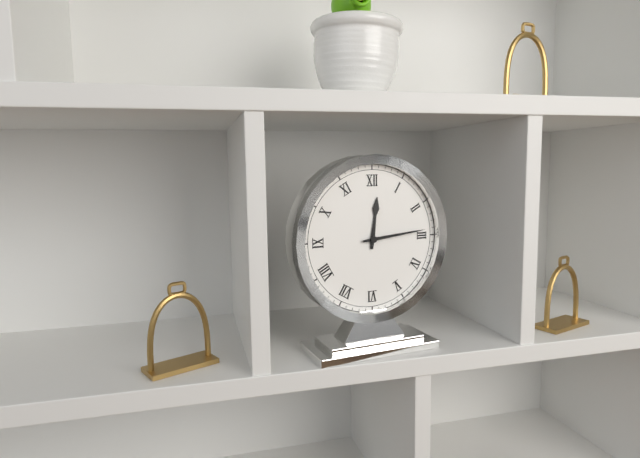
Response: 12:14
